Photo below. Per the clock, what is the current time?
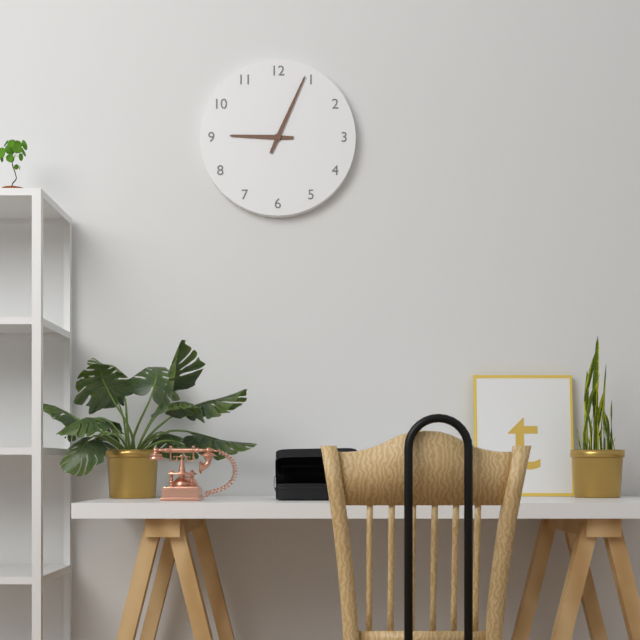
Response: 9:04
